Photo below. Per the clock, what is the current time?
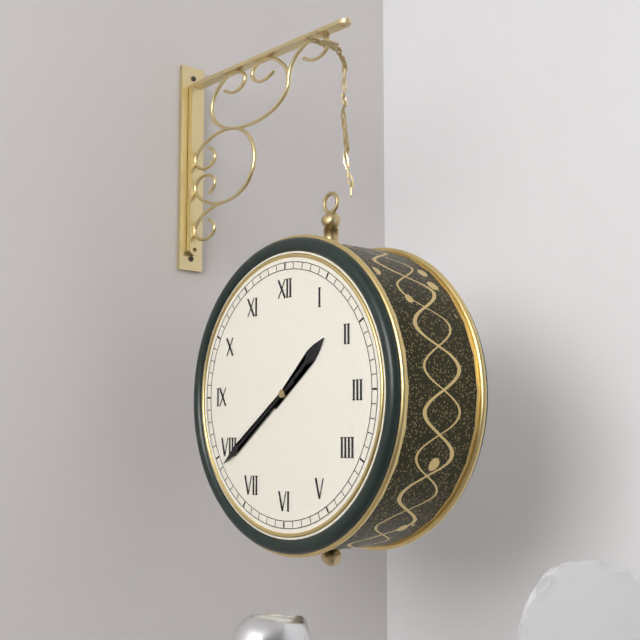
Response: 1:39
